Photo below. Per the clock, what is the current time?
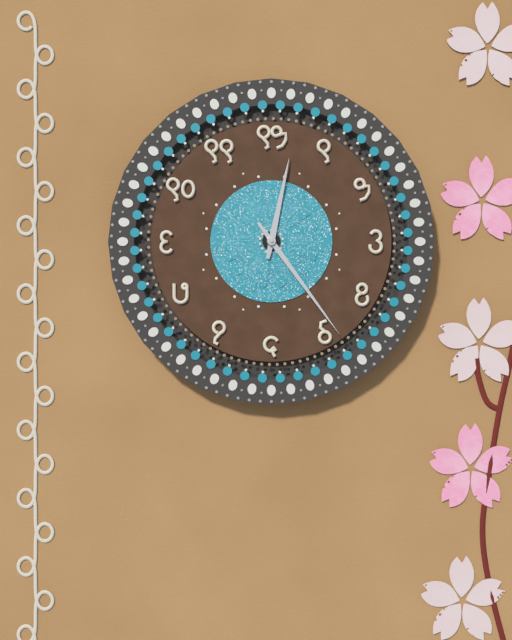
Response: 12:24
